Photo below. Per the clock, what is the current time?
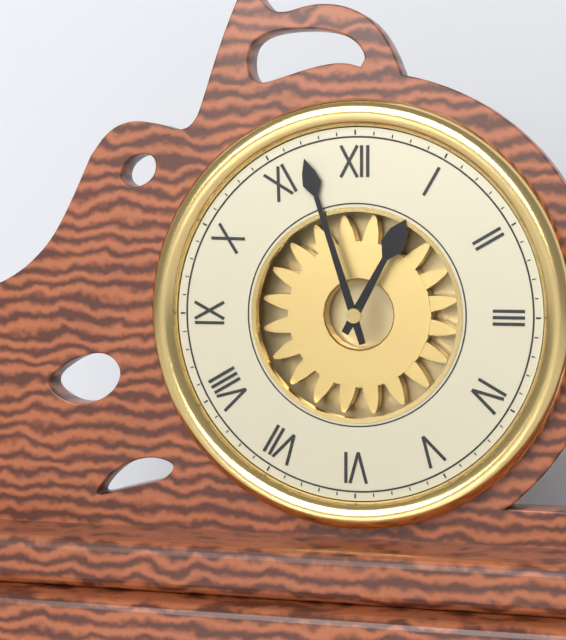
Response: 12:57
